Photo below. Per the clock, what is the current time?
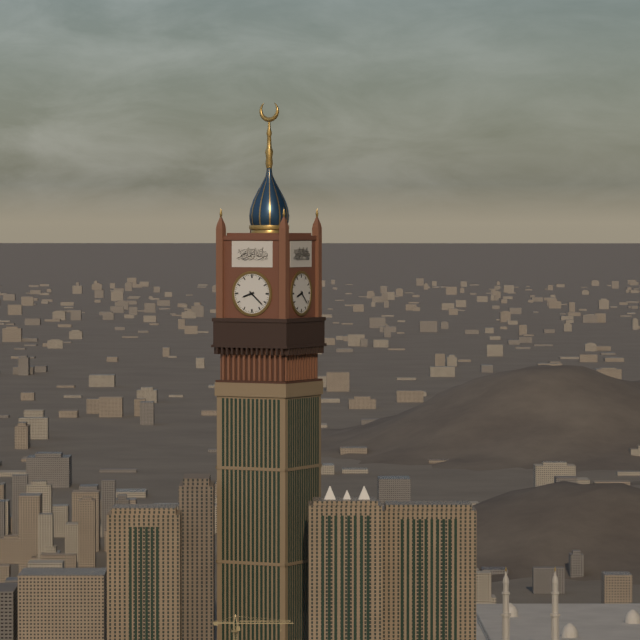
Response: 8:22
